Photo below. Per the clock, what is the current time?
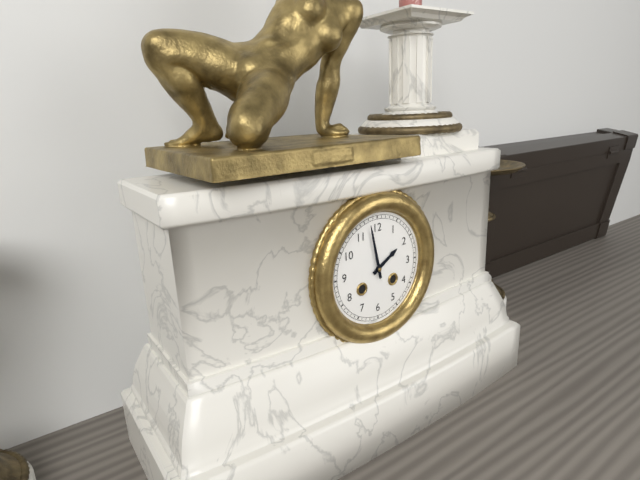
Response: 1:58
